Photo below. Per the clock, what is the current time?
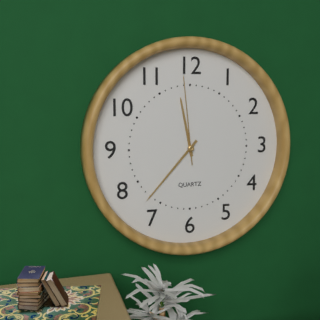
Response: 11:37:59
